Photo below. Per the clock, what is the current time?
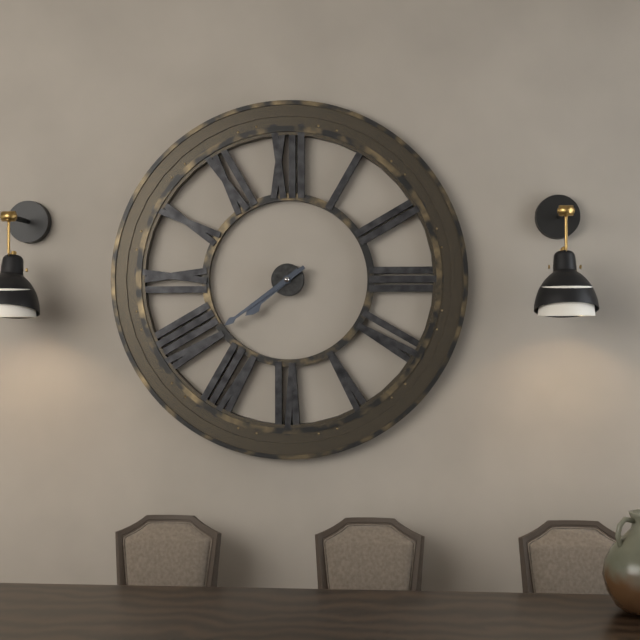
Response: 7:39
